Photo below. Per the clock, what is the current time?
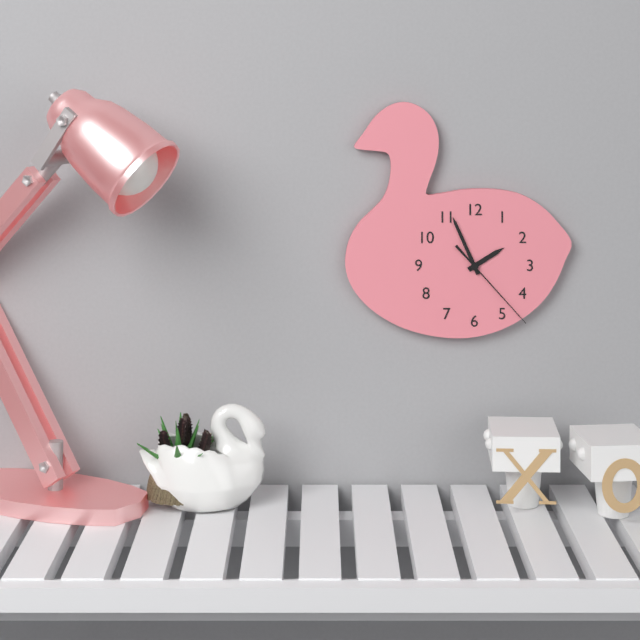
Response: 1:56:23
